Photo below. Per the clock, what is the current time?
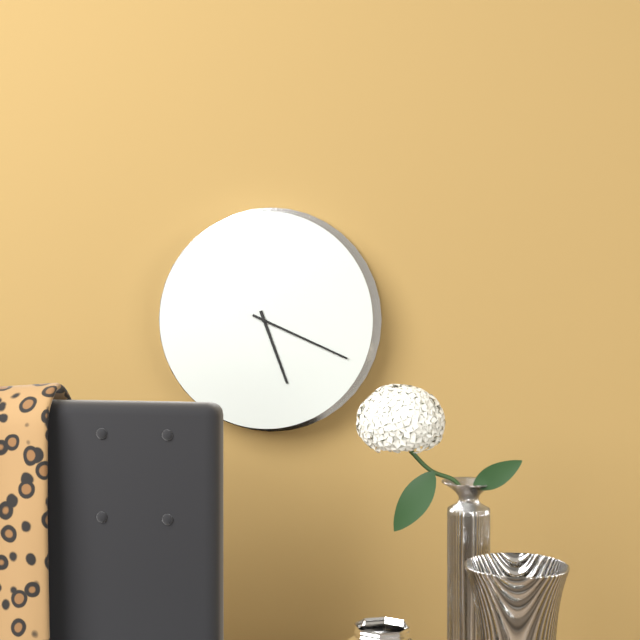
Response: 5:19
